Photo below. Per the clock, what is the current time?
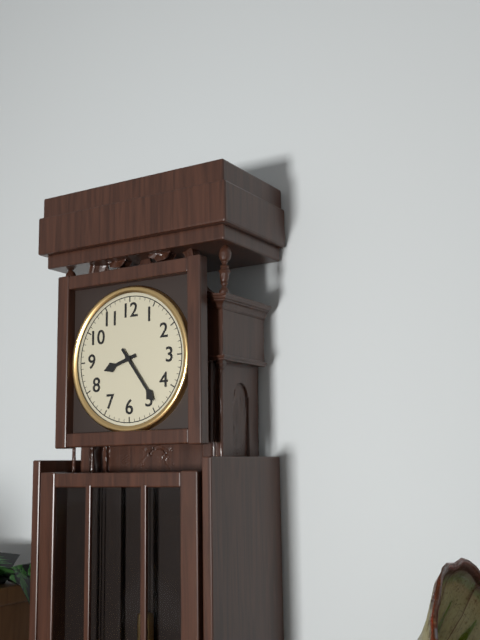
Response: 8:24
